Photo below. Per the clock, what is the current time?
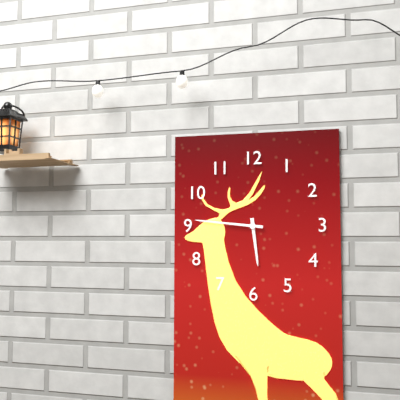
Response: 5:46
